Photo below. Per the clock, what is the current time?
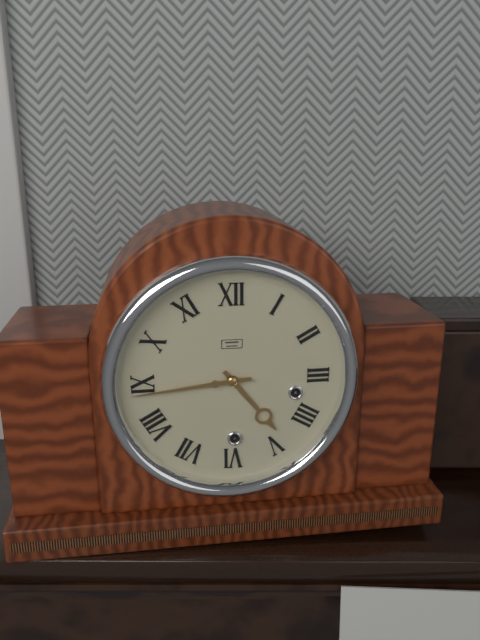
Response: 4:44
